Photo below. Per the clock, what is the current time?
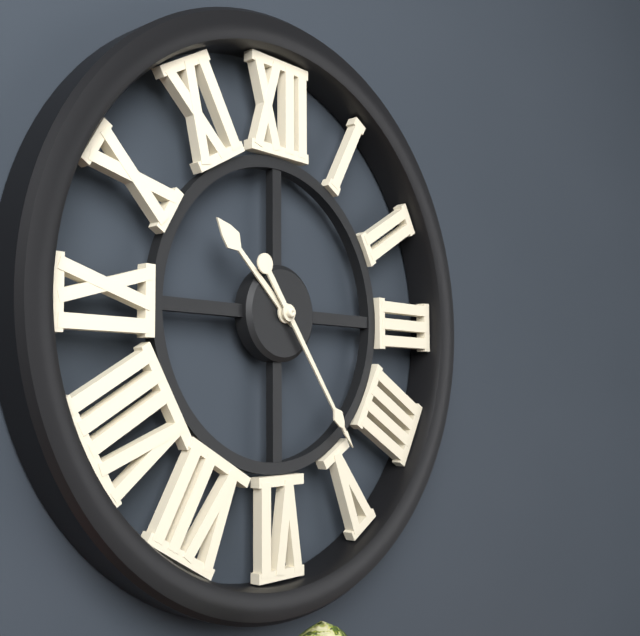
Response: 10:24
